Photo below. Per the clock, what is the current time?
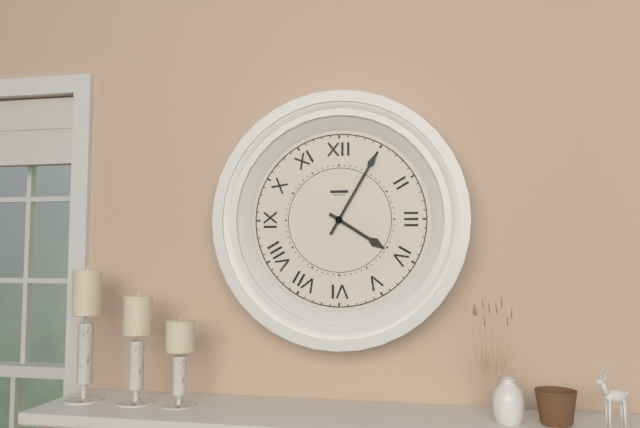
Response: 4:05
